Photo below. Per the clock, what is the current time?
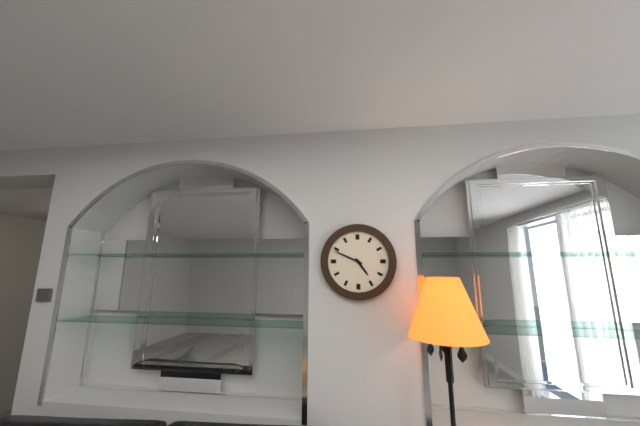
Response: 4:49
